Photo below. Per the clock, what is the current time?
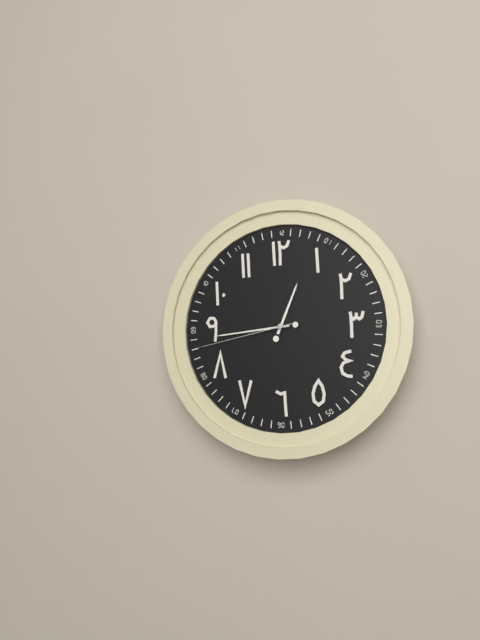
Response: 12:44:43
